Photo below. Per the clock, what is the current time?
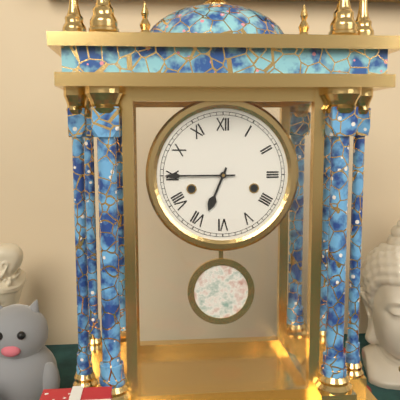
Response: 6:45
